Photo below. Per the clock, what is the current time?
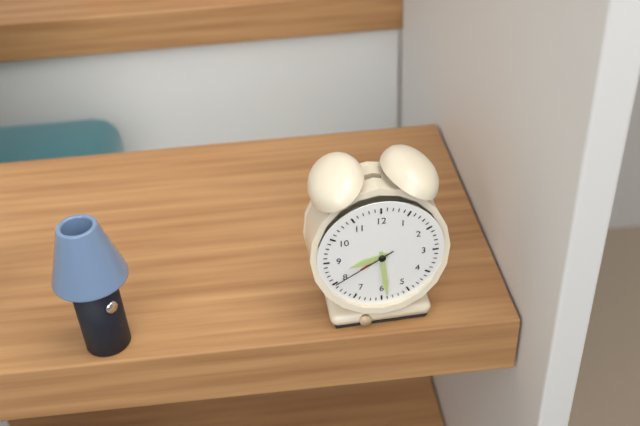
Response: 8:29:40
